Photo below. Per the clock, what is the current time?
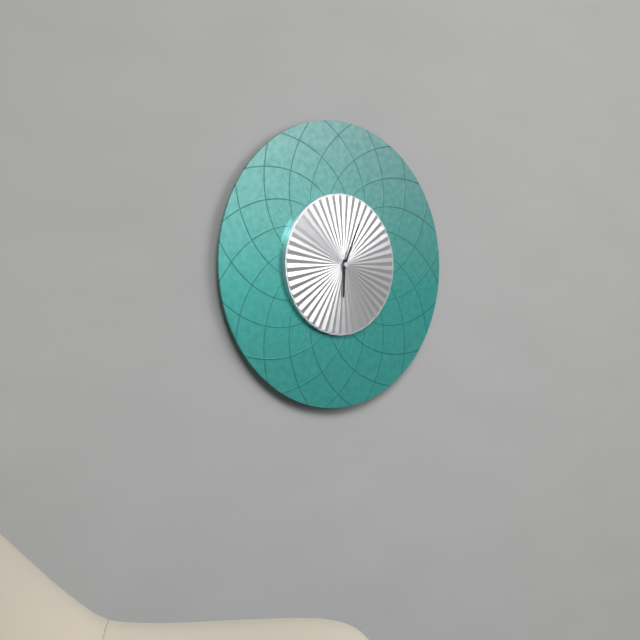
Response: 6:04
